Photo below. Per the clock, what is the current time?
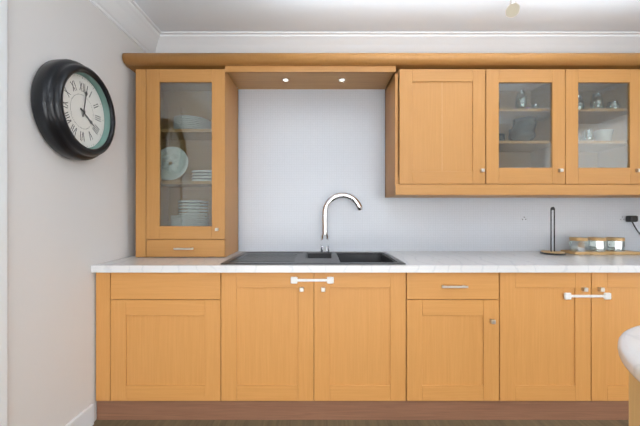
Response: 4:02
